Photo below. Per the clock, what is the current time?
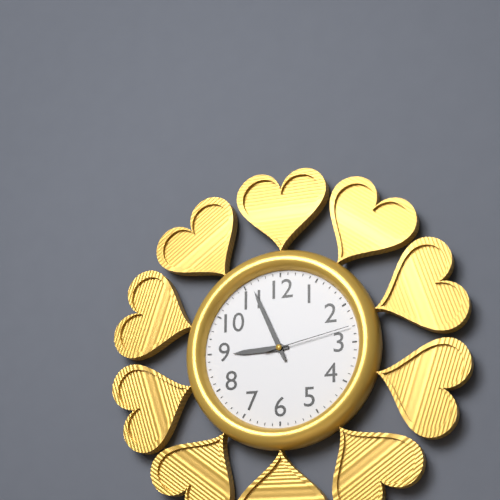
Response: 8:56:13
